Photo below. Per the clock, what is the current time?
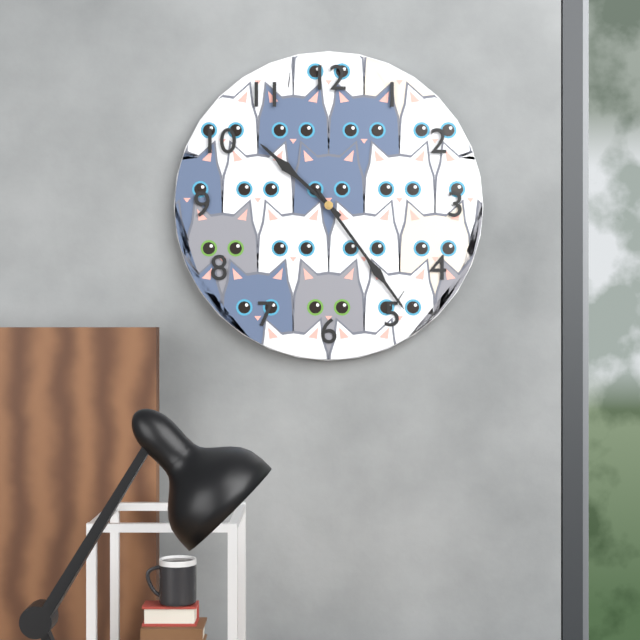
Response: 10:24
